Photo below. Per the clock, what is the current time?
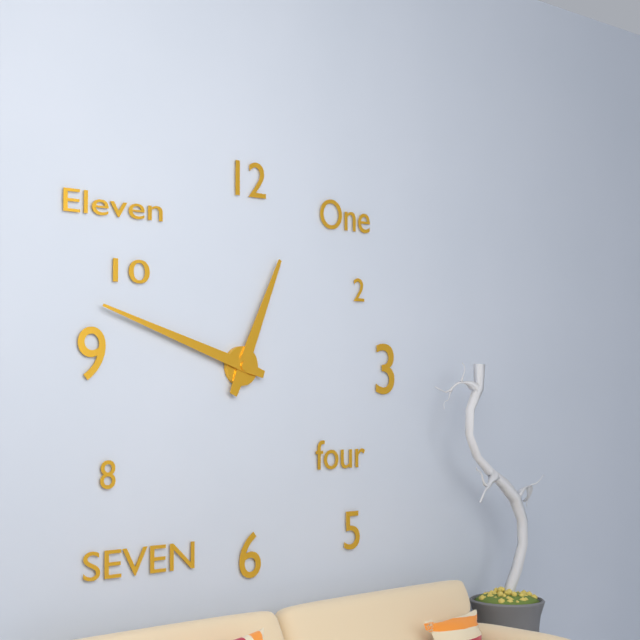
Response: 12:48
